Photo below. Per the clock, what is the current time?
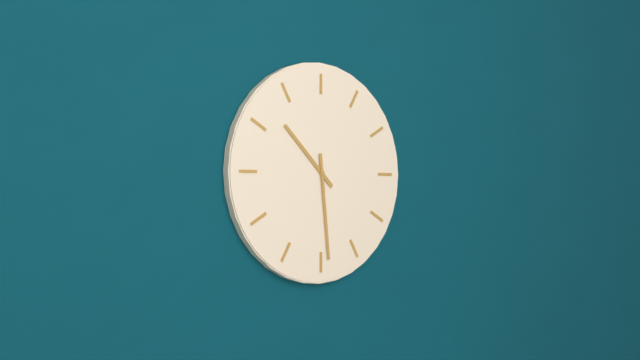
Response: 10:29
